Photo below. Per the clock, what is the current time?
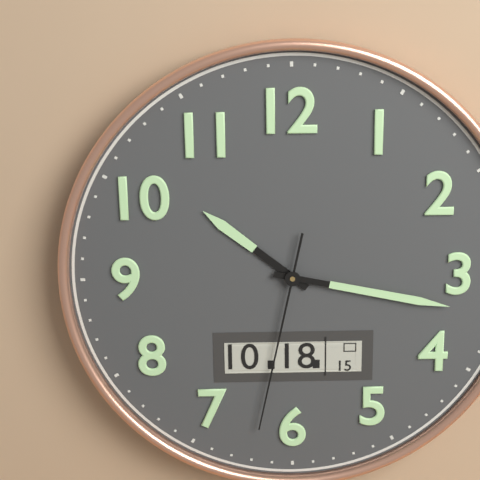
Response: 10:17:32
